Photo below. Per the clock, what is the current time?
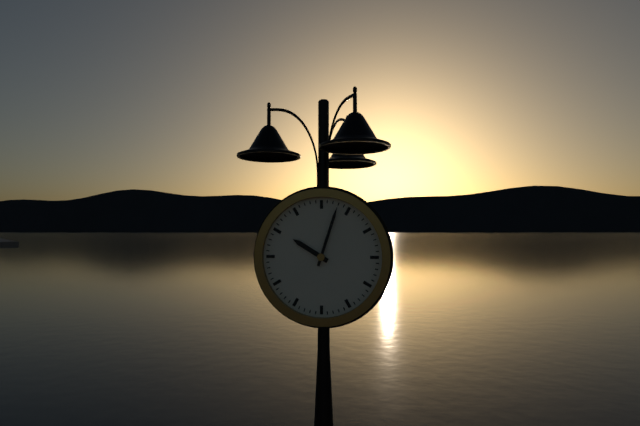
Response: 10:03
